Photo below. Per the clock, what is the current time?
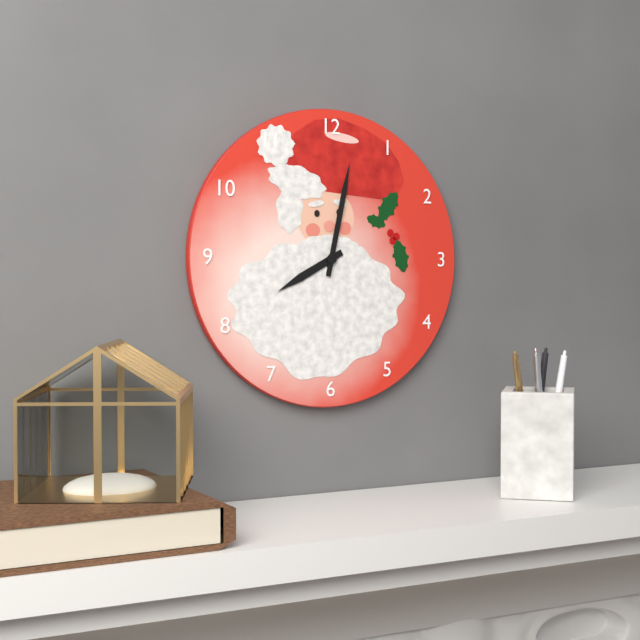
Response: 8:02
